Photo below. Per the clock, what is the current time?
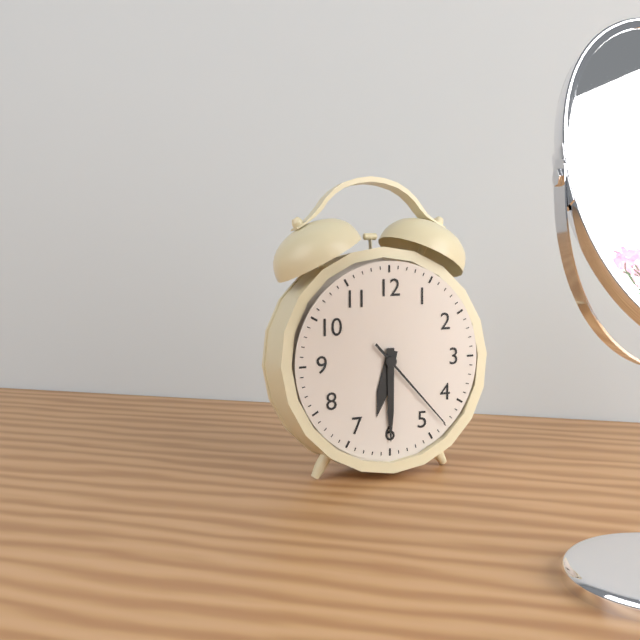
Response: 6:30:23
